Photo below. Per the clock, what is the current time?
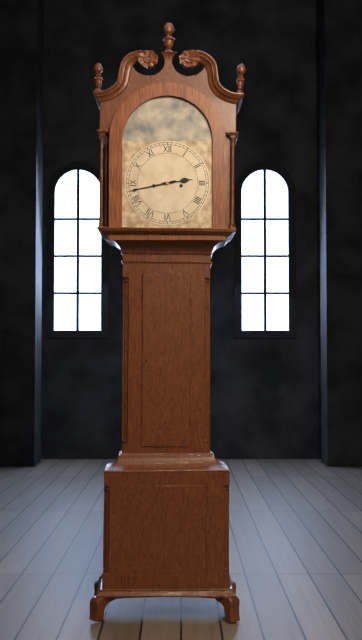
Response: 2:43
